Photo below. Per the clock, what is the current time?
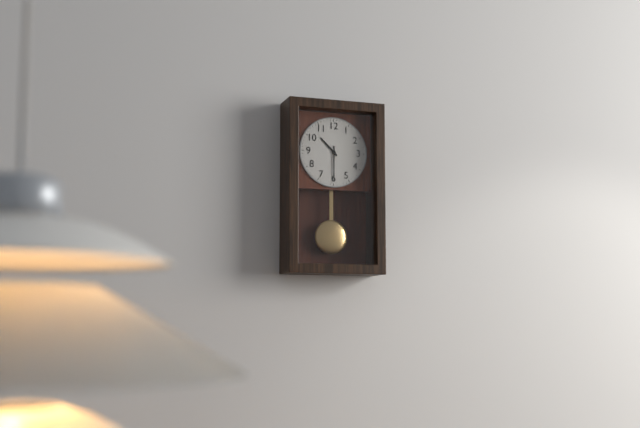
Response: 10:30
